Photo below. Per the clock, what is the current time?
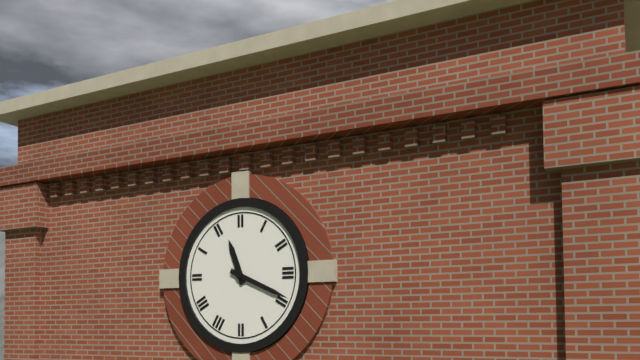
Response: 11:19
